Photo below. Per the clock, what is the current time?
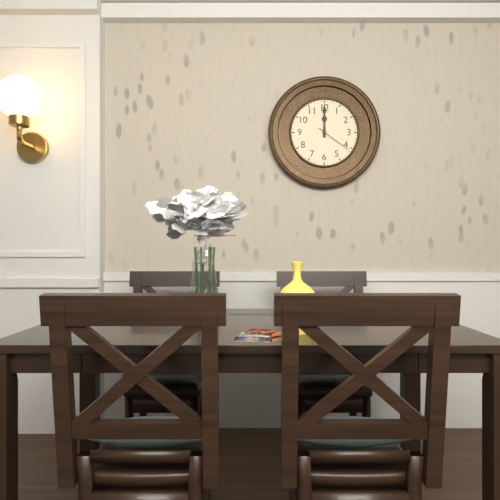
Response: 12:00
